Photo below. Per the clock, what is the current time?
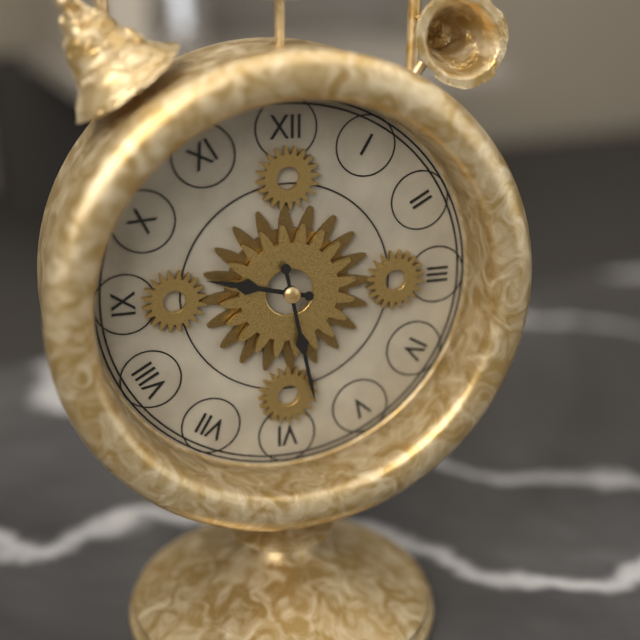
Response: 9:28
